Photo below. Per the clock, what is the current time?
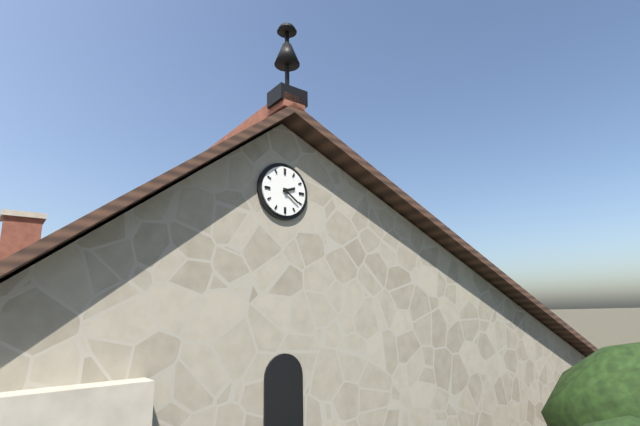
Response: 2:21
